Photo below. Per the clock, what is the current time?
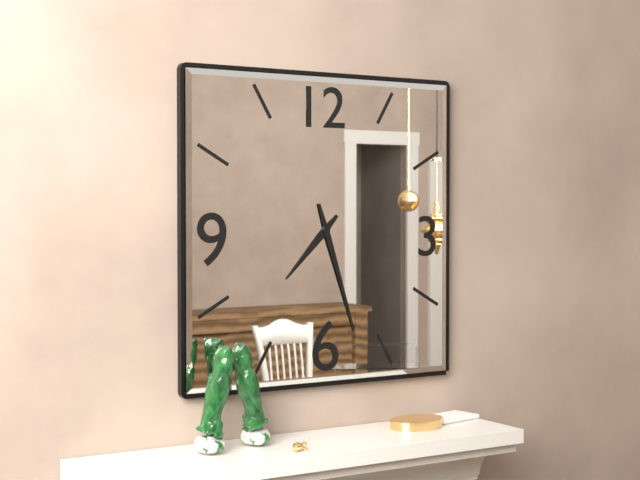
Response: 7:27
